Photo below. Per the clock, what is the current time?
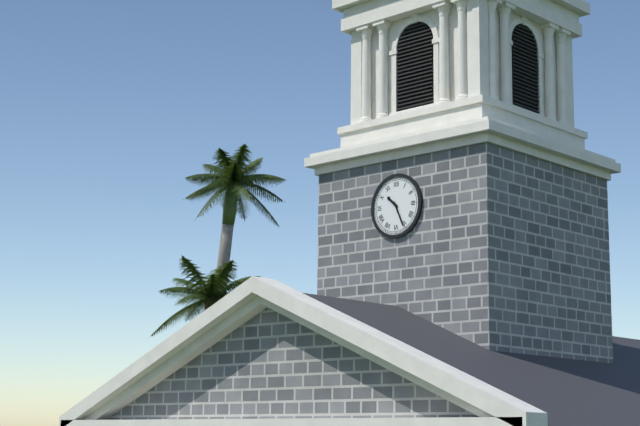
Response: 10:26
